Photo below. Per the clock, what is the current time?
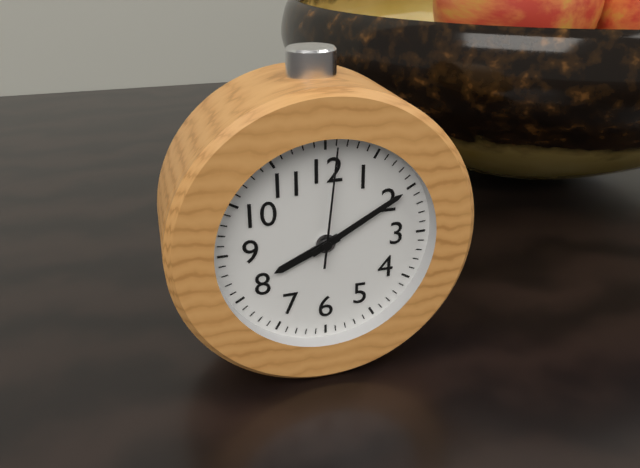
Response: 8:10:01
